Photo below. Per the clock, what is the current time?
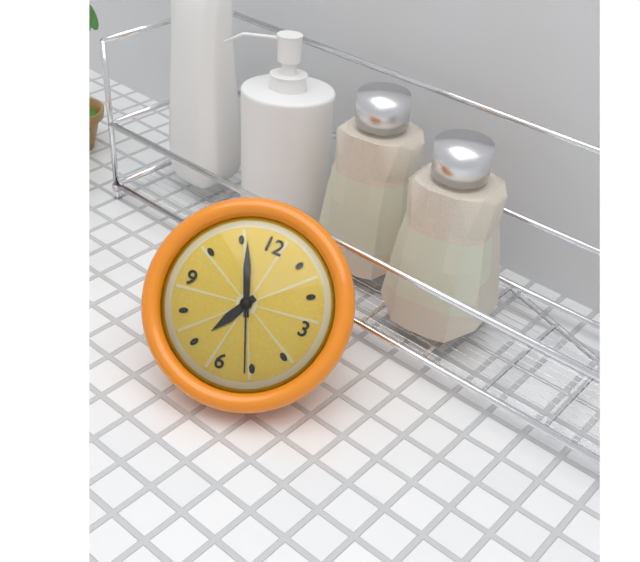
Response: 6:56:26
